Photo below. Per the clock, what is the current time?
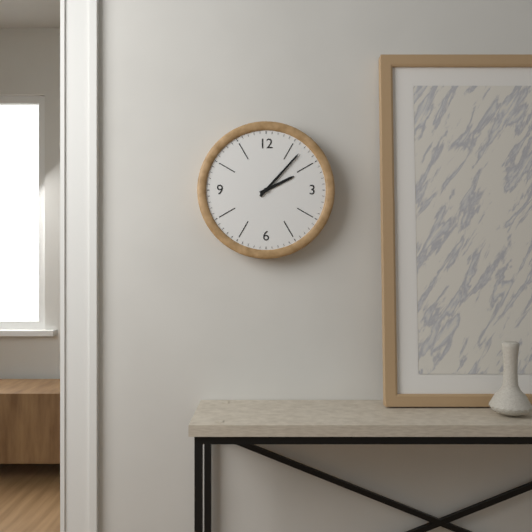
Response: 2:07
